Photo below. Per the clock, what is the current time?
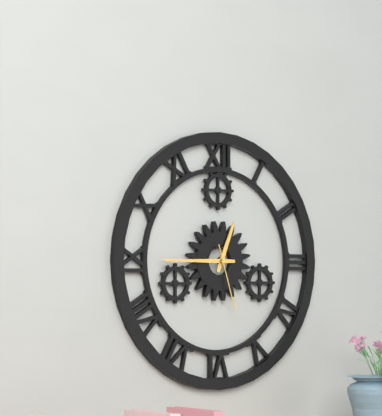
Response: 12:45:27
